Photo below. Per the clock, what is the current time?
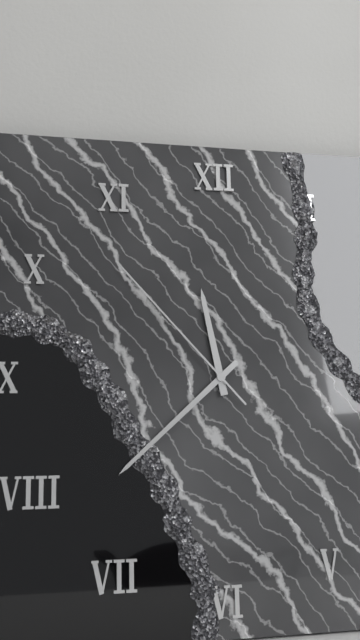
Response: 11:38:53
